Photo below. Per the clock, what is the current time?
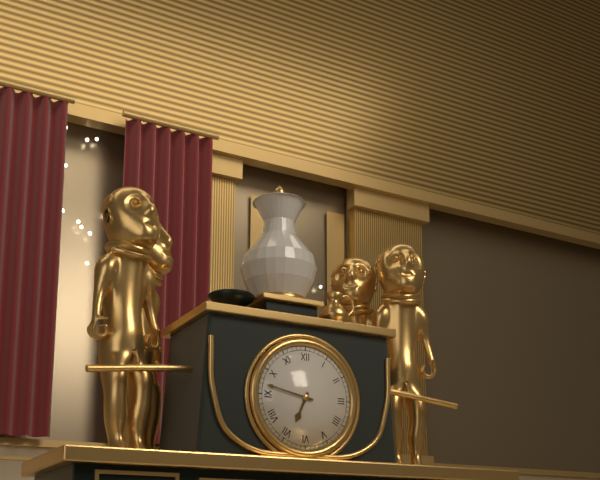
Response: 6:47
